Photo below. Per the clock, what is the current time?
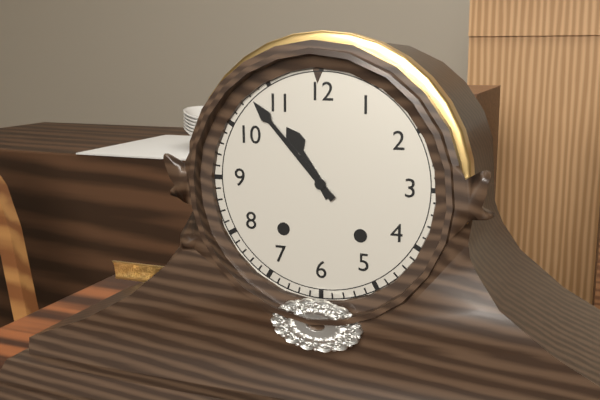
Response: 10:53
